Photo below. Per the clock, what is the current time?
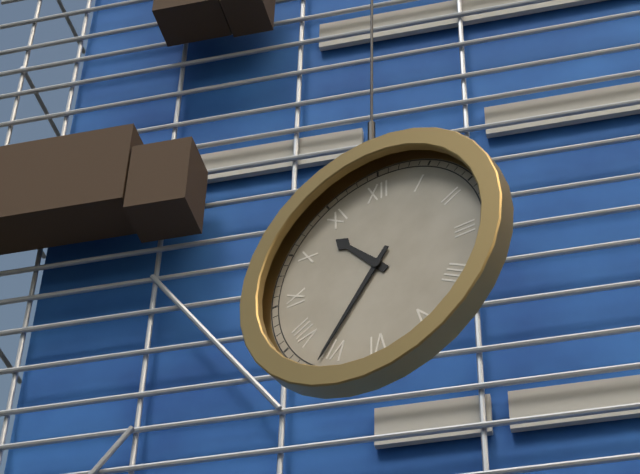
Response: 10:36
